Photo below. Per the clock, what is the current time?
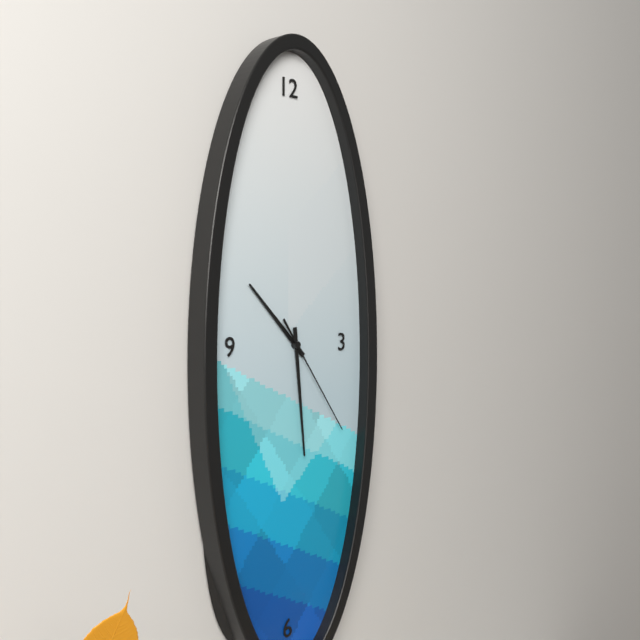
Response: 10:29:24
